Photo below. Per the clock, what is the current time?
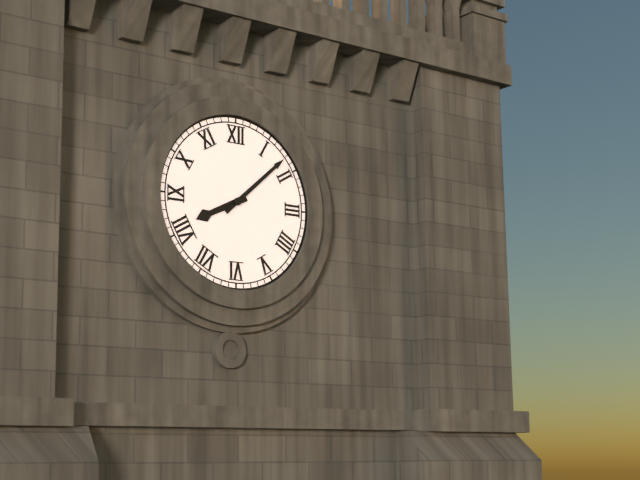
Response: 8:08
